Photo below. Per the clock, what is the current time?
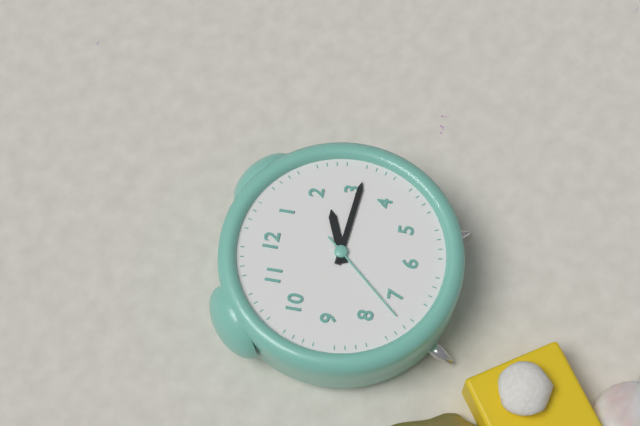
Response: 2:16:37
